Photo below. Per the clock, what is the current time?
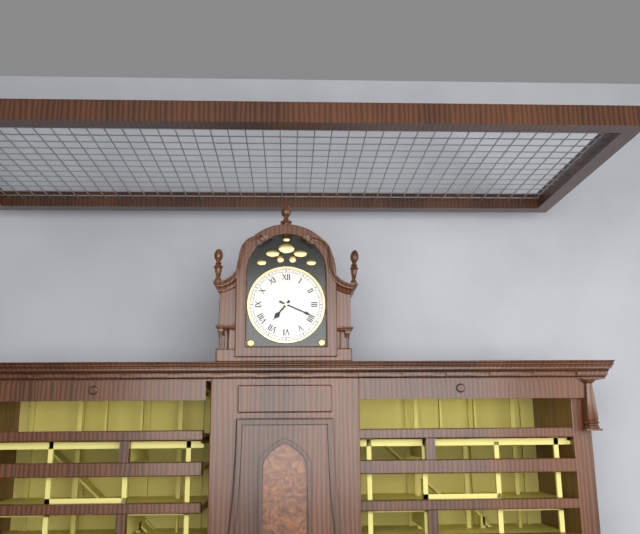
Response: 7:19
